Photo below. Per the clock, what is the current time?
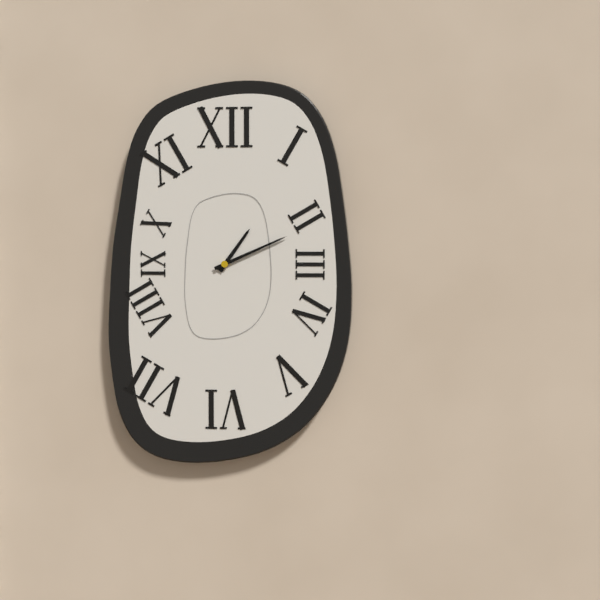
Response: 1:11
